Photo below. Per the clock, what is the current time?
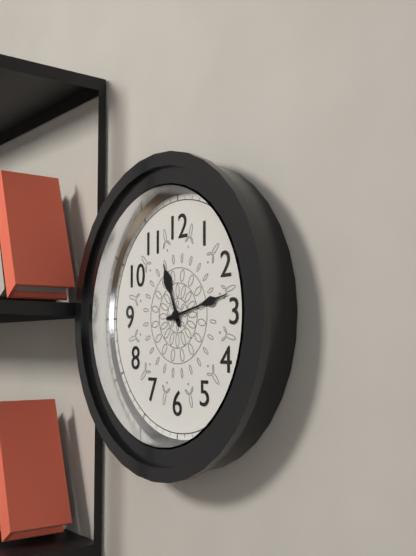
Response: 11:13
